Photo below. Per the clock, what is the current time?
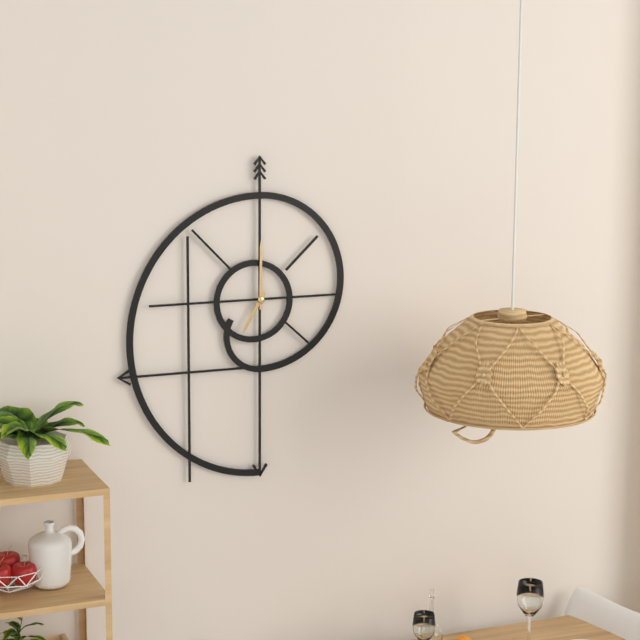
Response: 7:00
